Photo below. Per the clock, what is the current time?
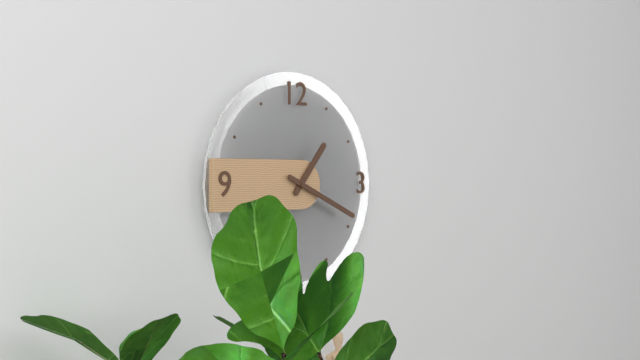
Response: 1:19
